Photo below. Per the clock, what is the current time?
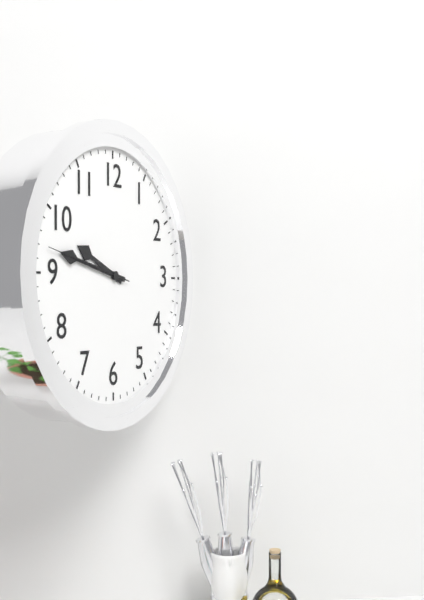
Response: 9:47:47
